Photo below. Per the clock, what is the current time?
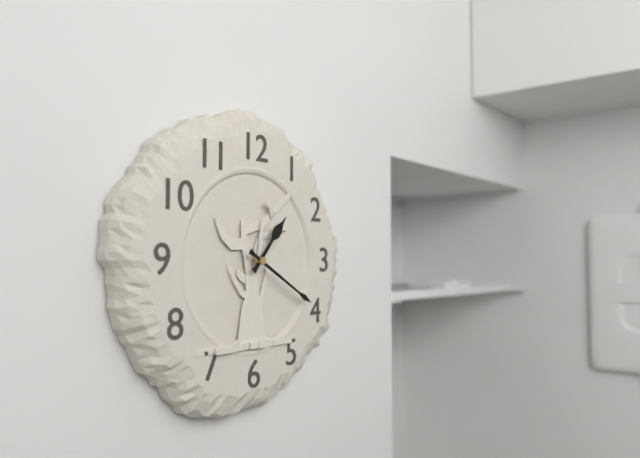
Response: 1:20
